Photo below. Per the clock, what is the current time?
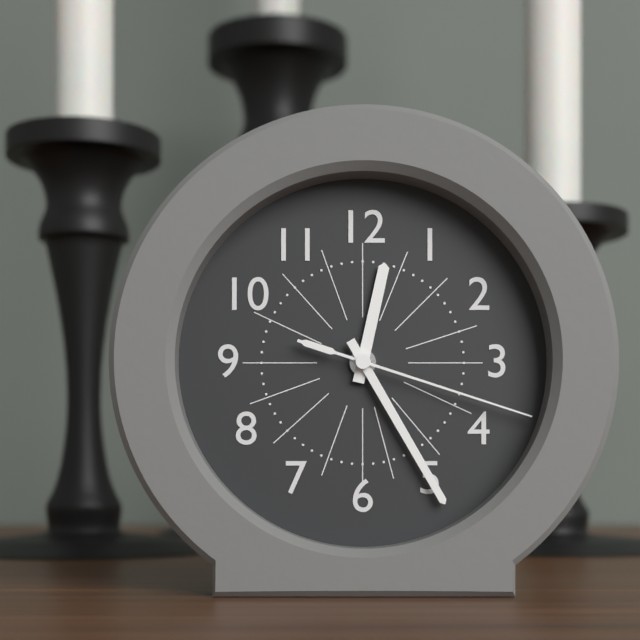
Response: 12:25:18
